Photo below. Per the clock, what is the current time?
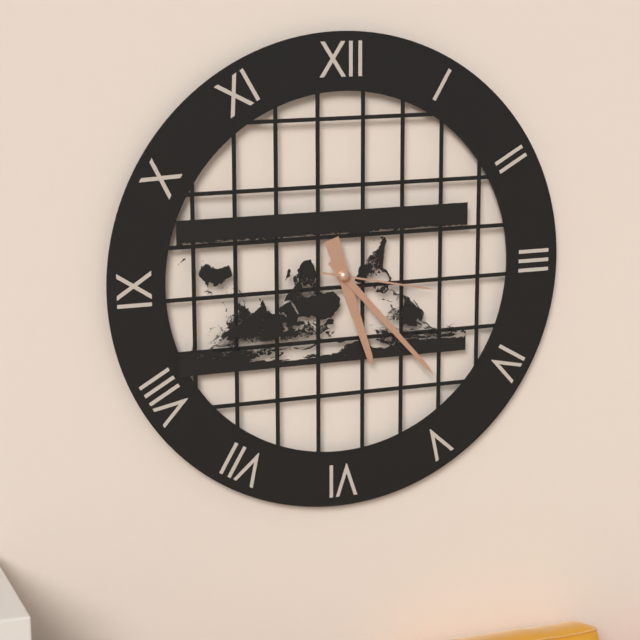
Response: 5:23:17
